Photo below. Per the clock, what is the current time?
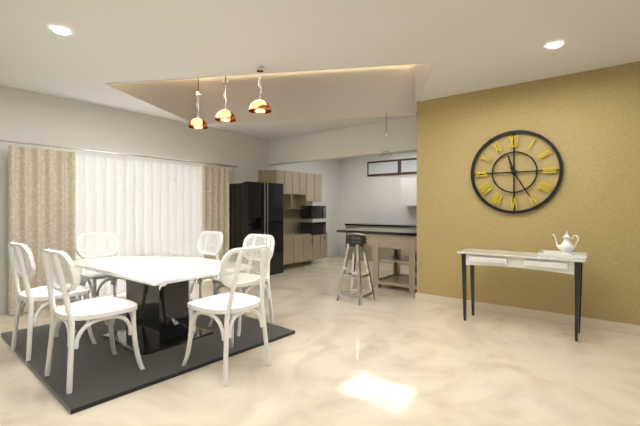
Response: 11:25
